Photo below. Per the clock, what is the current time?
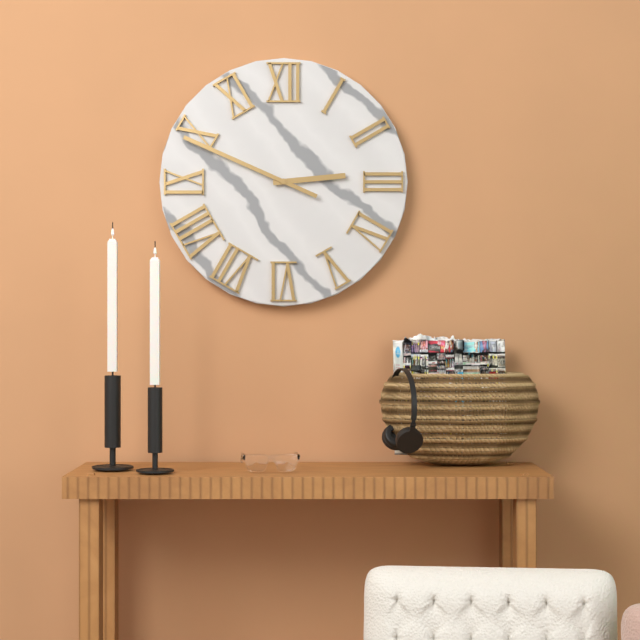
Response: 2:49
